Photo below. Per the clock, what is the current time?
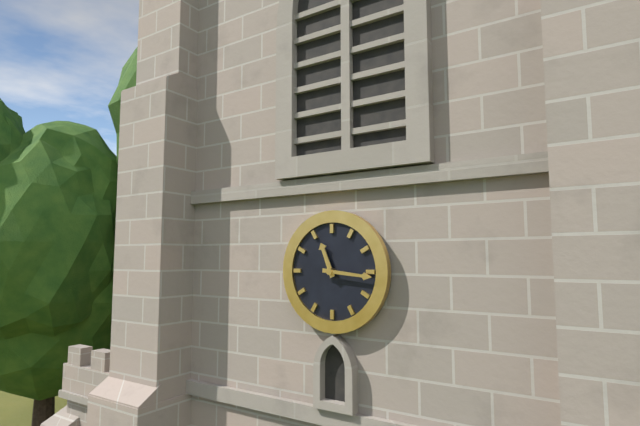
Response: 11:16
